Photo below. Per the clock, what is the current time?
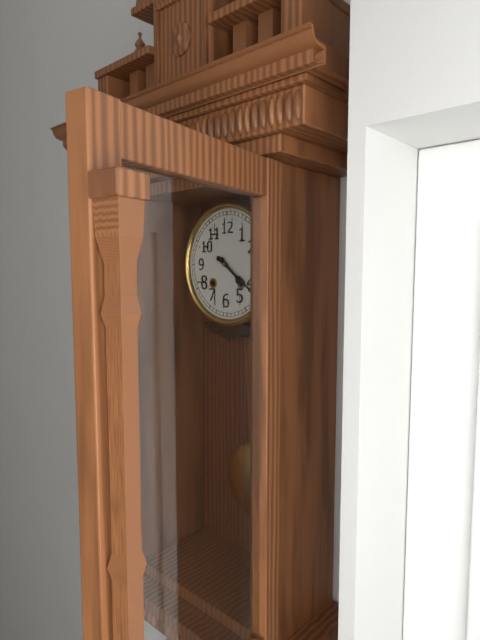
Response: 4:21
